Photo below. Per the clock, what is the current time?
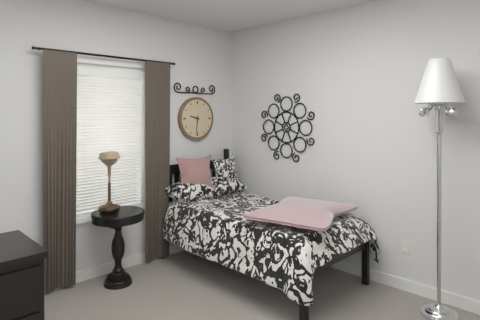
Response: 9:31
